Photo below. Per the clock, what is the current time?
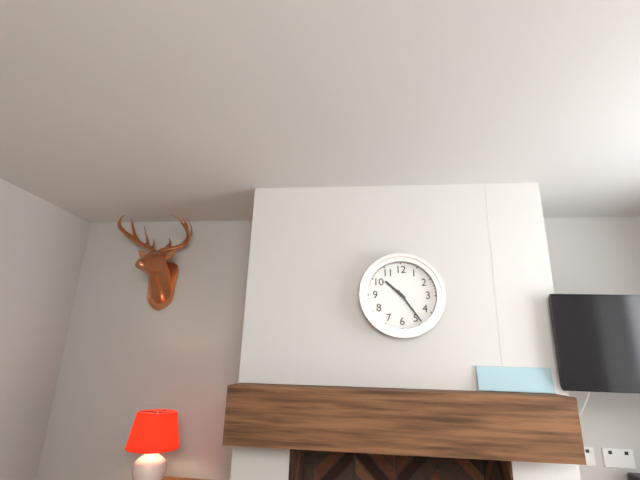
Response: 10:24
